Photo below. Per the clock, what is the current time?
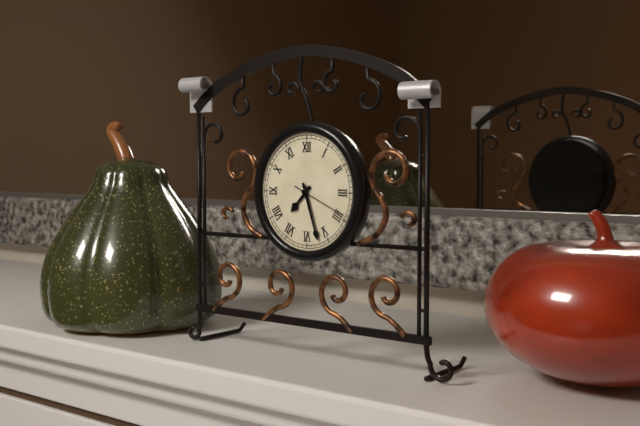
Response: 7:27
